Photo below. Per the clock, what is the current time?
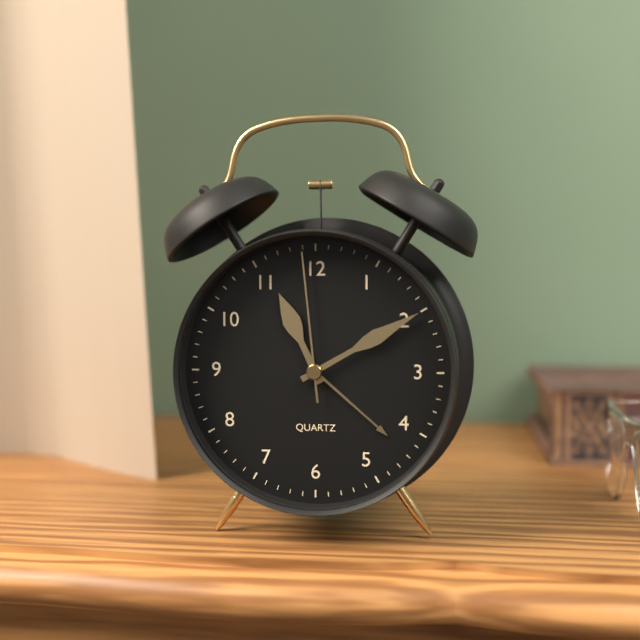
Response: 11:10:59
